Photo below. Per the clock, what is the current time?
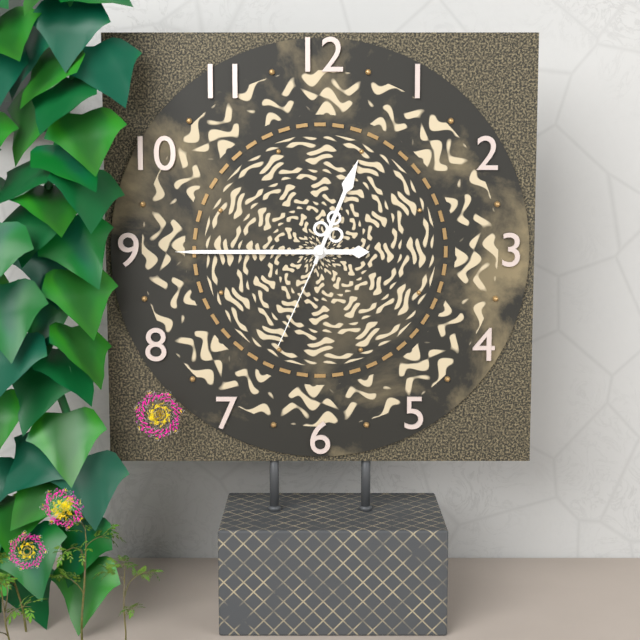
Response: 12:45:34
